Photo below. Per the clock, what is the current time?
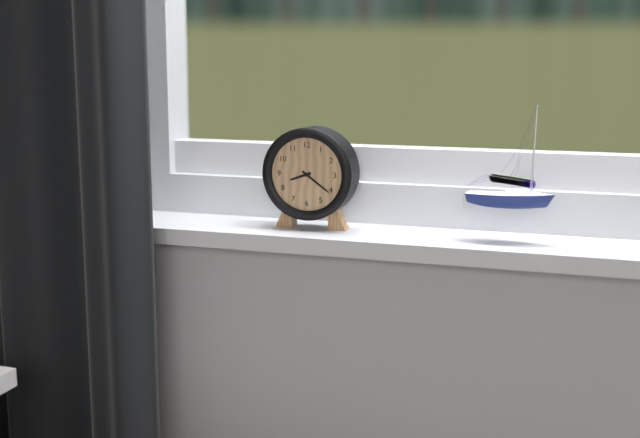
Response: 8:21
